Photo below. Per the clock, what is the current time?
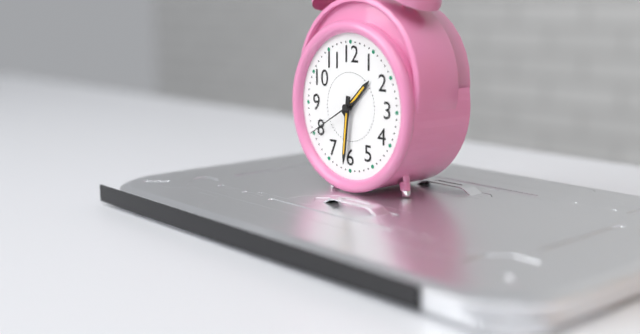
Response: 1:31:40
